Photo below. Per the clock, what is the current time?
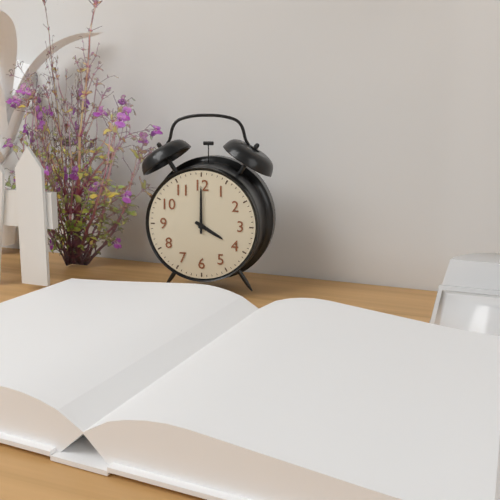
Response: 4:00
